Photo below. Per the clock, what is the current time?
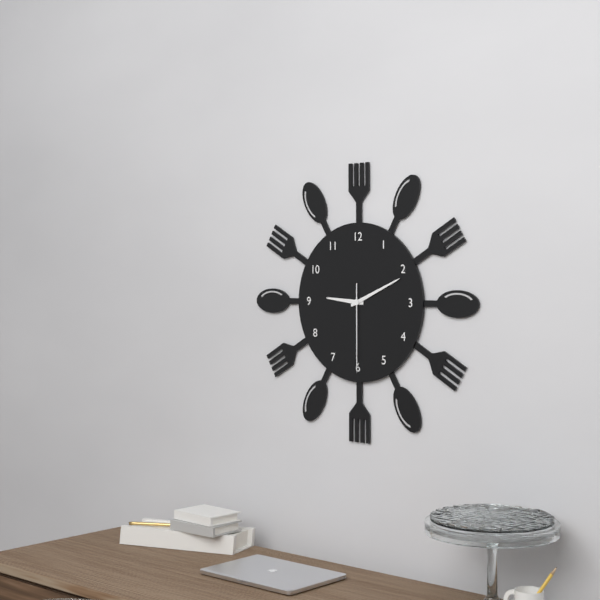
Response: 9:11:30
